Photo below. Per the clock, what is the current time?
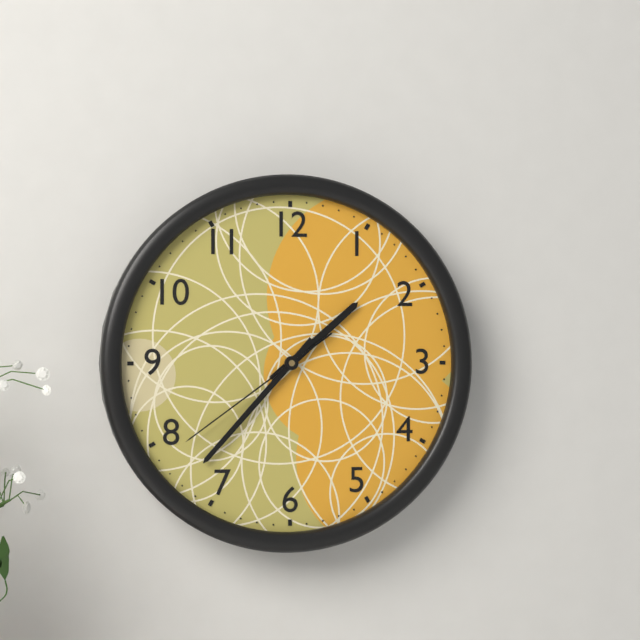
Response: 1:37:39
